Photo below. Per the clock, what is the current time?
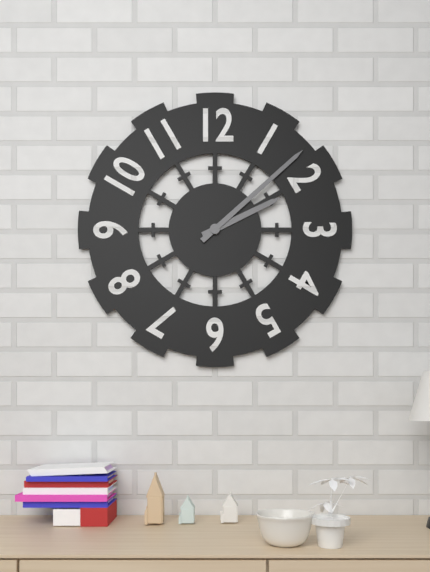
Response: 2:08
